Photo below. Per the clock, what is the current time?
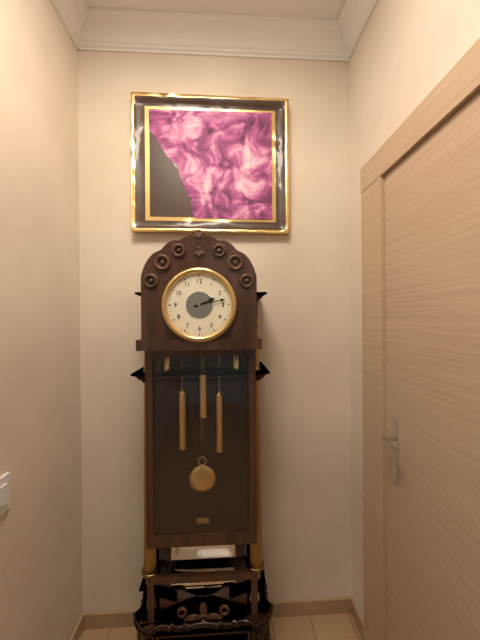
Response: 2:13
